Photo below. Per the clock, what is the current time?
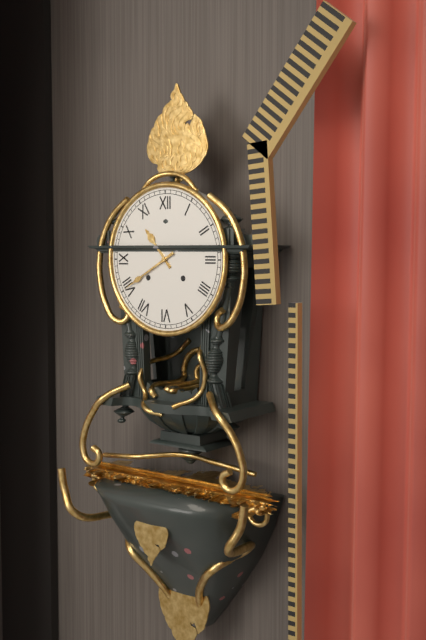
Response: 10:40
